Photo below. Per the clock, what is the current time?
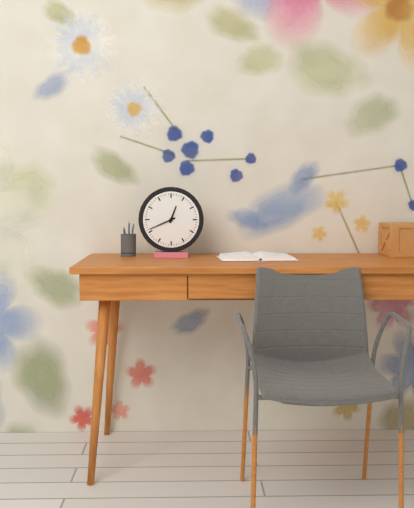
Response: 12:41
